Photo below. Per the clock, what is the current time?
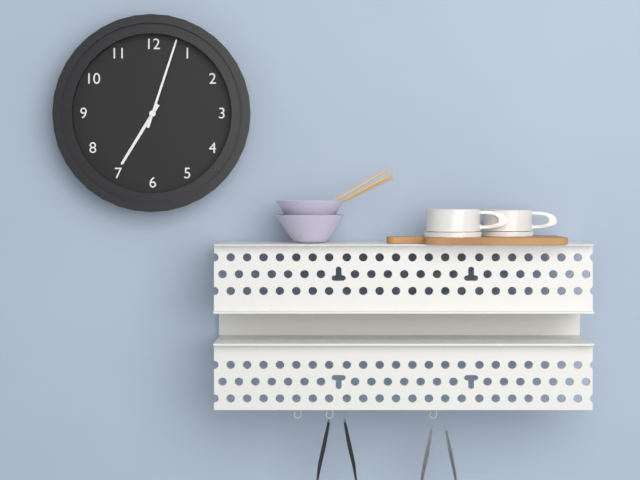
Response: 7:03
